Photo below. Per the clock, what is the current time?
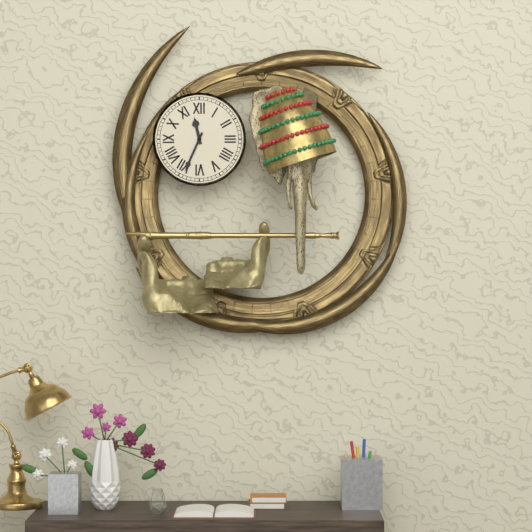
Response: 11:34
